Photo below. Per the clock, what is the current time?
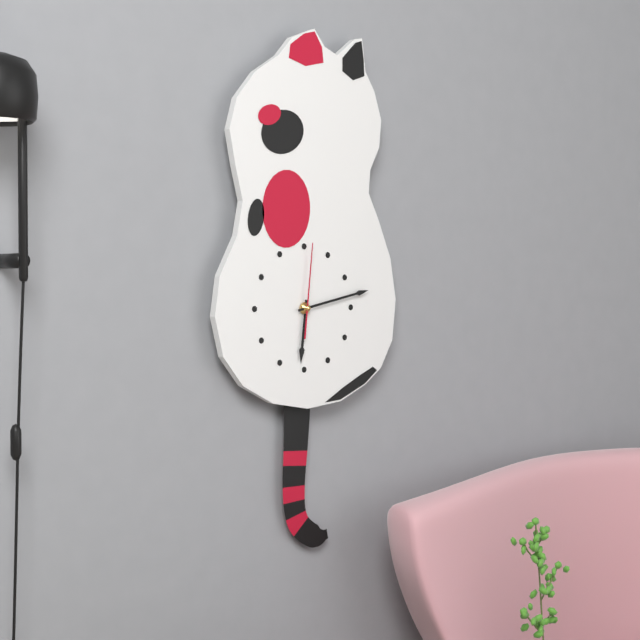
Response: 6:13:01
